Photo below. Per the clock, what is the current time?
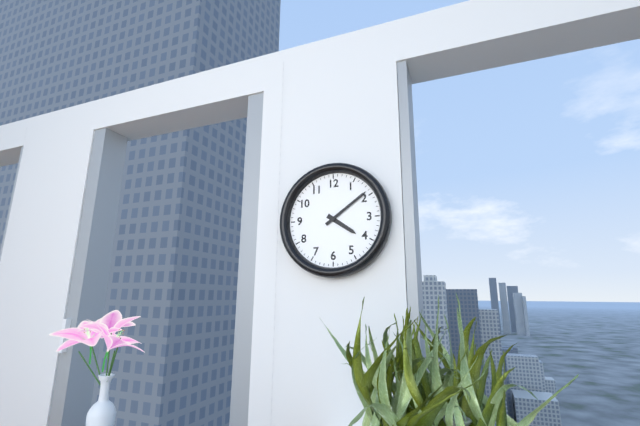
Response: 4:09
